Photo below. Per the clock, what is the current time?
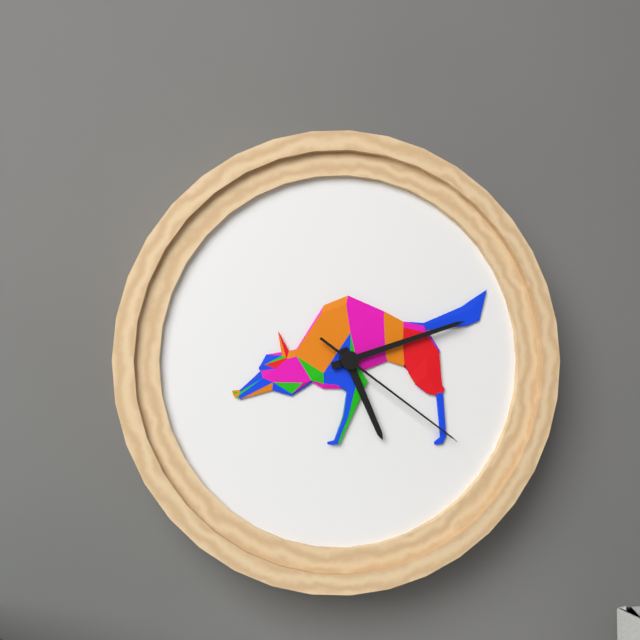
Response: 5:12:21
